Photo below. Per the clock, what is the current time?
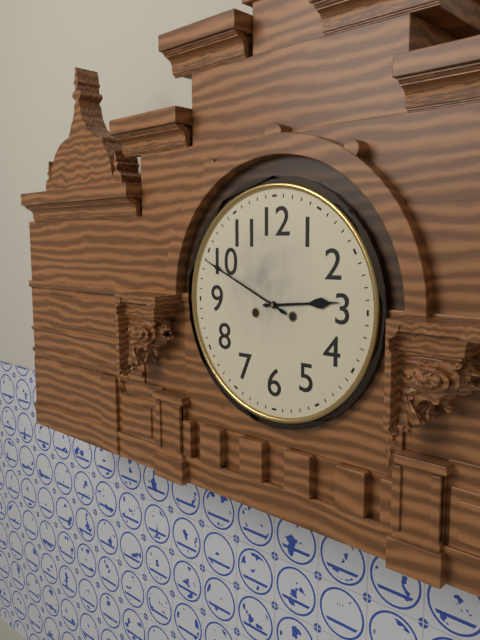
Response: 2:49
